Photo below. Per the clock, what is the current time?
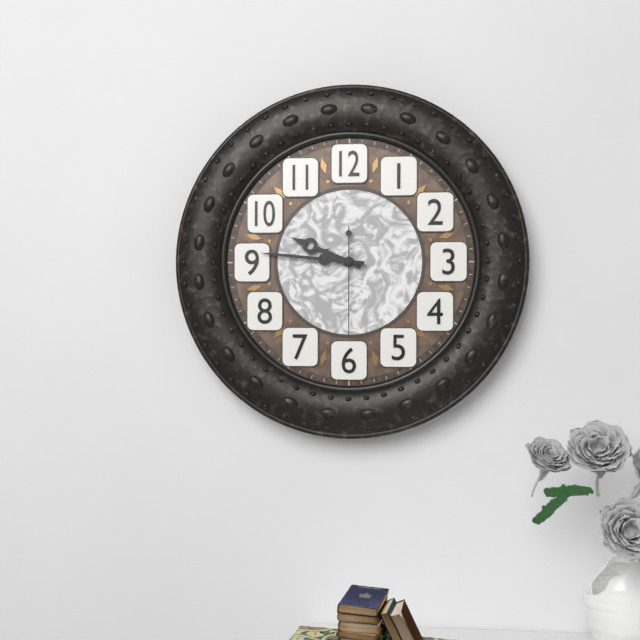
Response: 9:46:30
